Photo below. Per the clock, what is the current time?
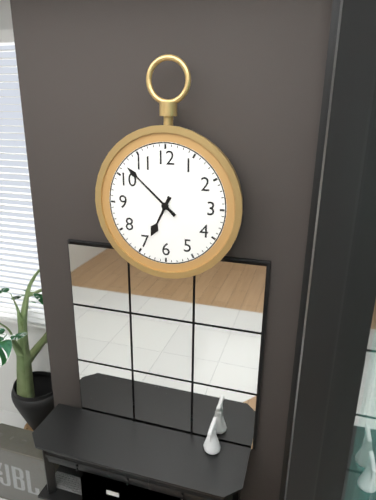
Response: 6:52
